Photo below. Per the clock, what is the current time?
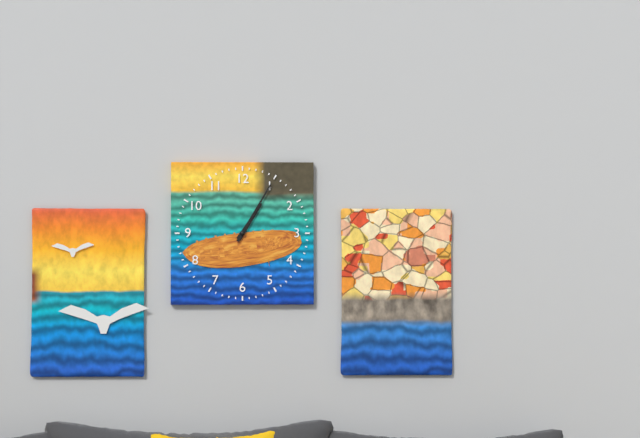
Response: 1:05
